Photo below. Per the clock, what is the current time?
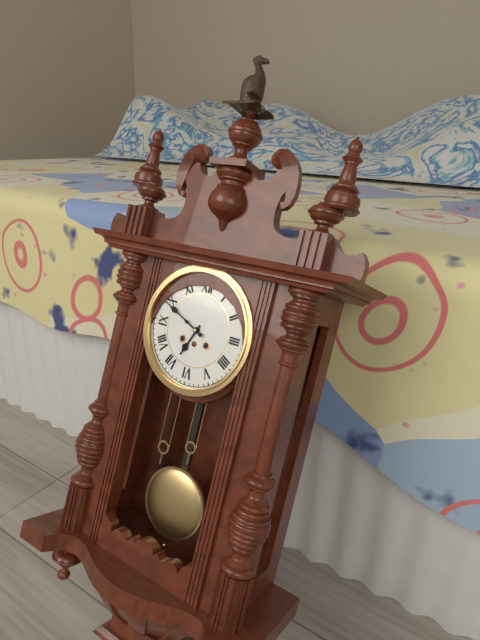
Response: 6:49
